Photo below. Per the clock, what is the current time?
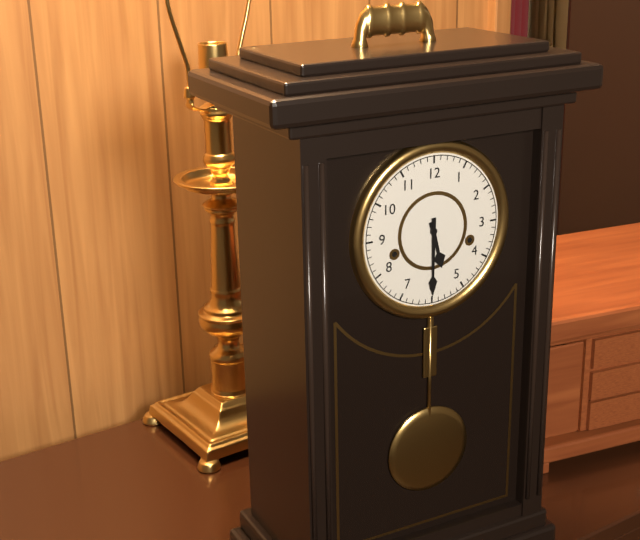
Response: 5:30
